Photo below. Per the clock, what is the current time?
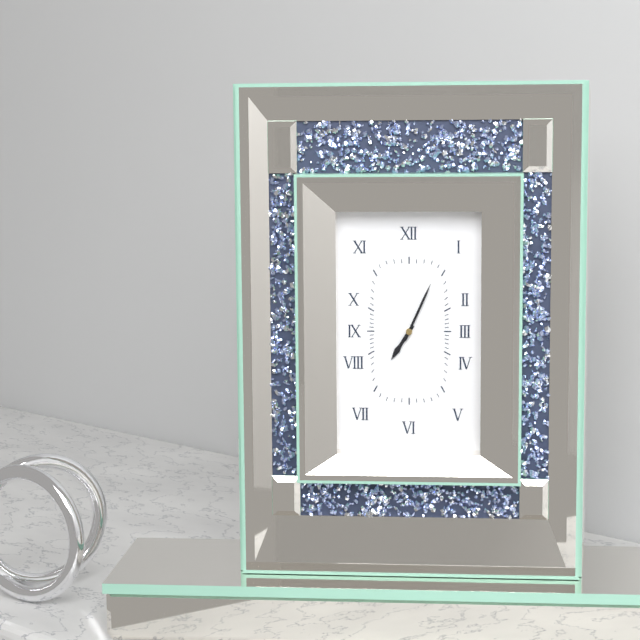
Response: 7:04
